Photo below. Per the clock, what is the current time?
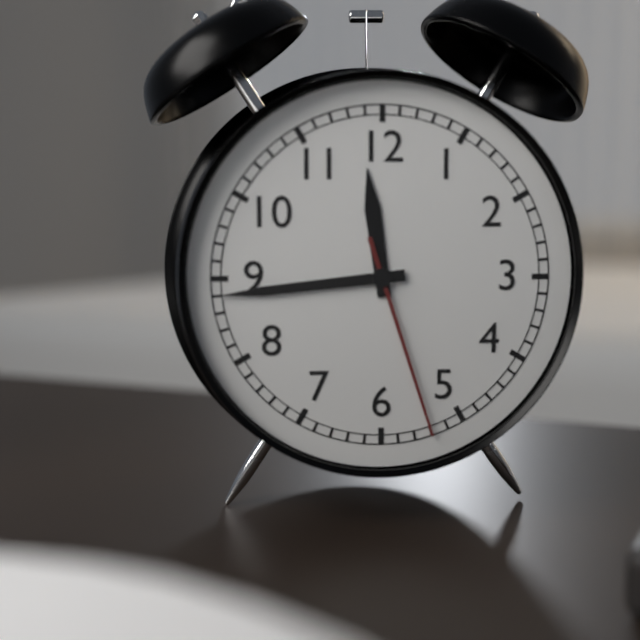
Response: 11:44:27
